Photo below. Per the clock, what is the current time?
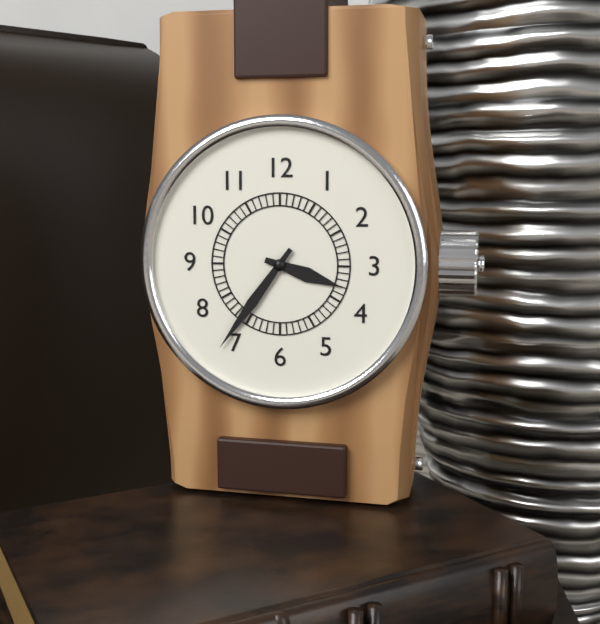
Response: 3:36
